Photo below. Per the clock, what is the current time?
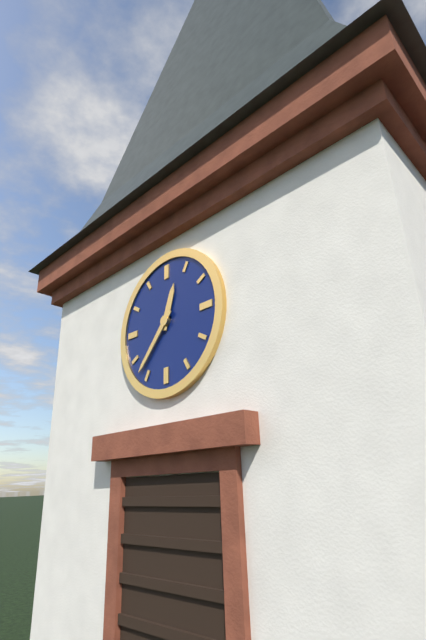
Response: 12:37
